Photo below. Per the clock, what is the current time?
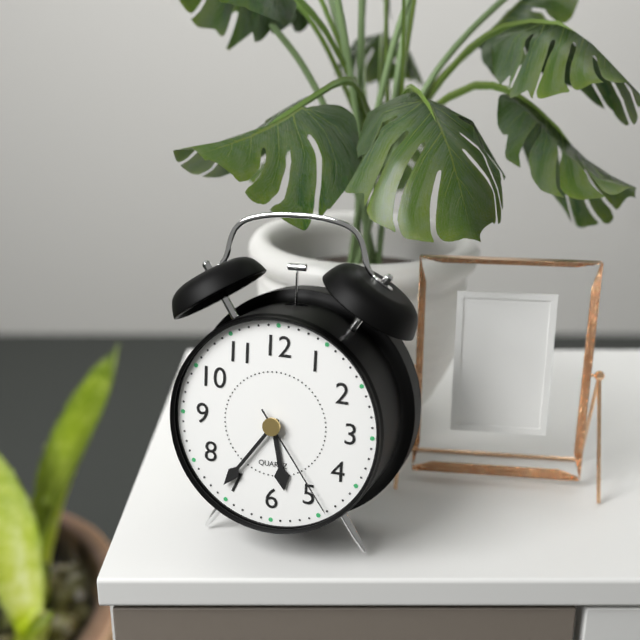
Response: 5:36:24
